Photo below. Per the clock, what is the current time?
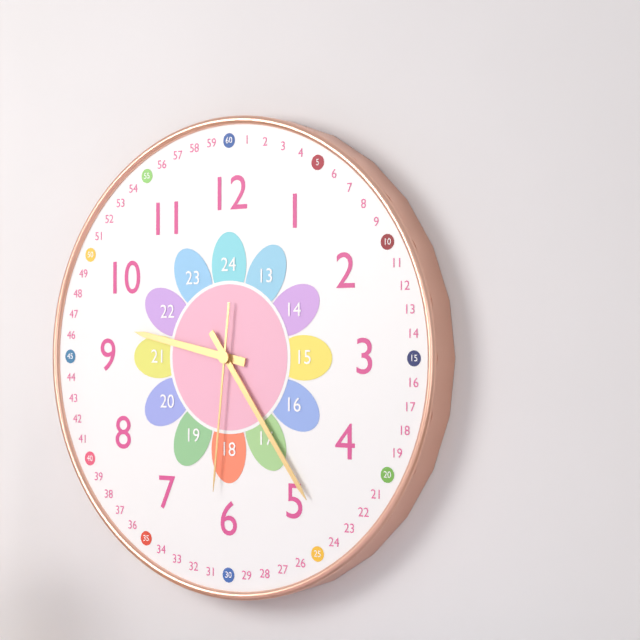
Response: 9:24:31
